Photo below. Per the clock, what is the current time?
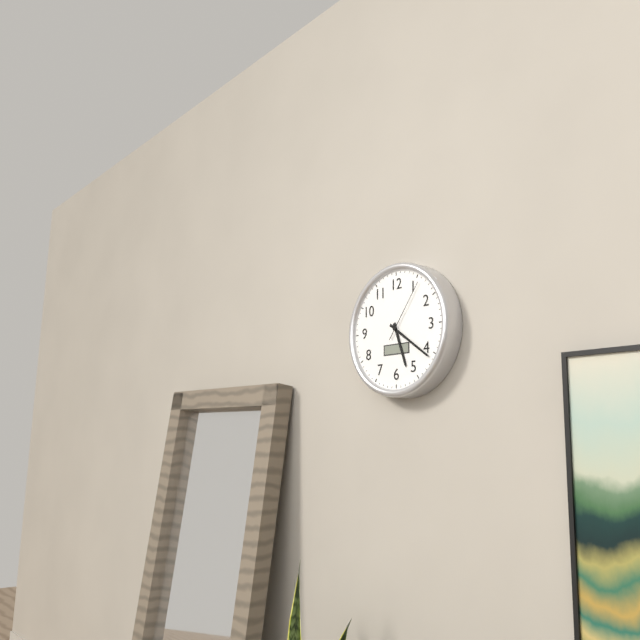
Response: 5:21:06
